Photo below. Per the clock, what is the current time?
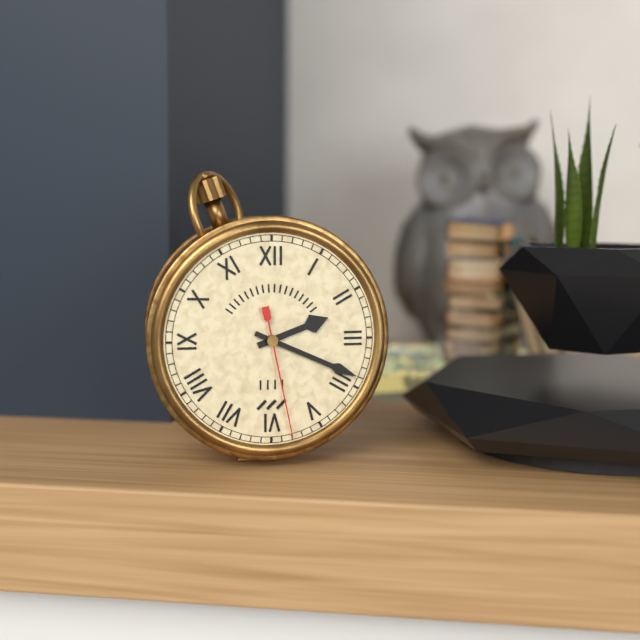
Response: 2:19:28
